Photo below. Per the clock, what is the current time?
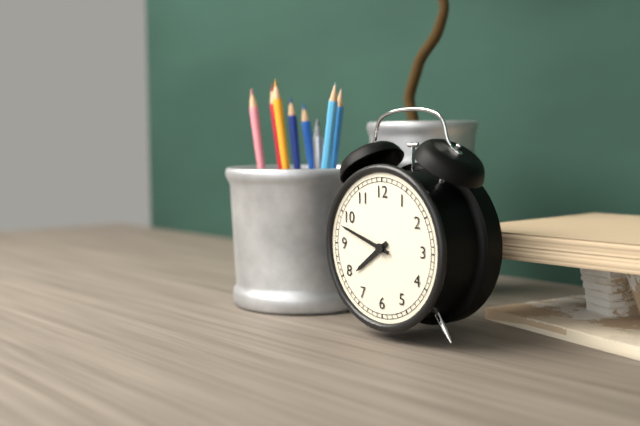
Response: 7:48
